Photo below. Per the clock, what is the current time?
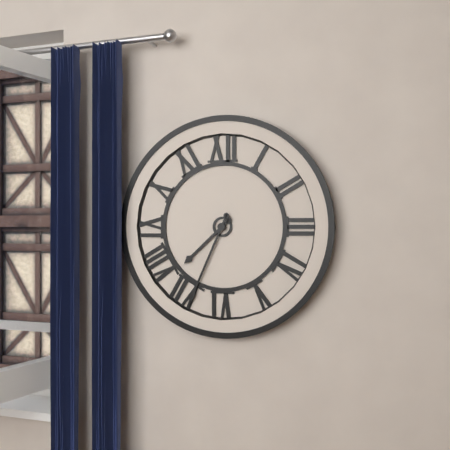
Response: 7:34
